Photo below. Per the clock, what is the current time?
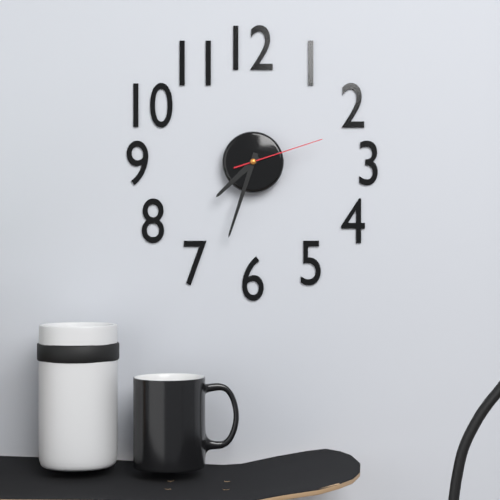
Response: 7:33:12
